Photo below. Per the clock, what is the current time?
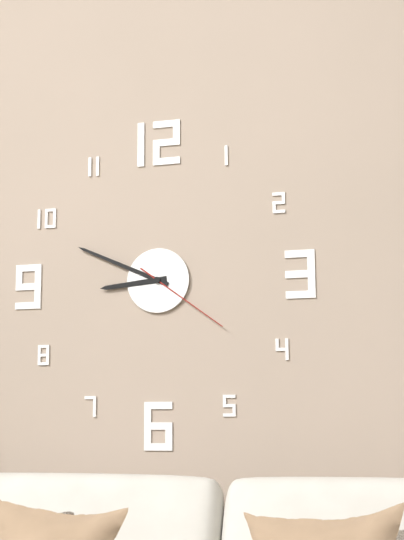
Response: 8:49:21
